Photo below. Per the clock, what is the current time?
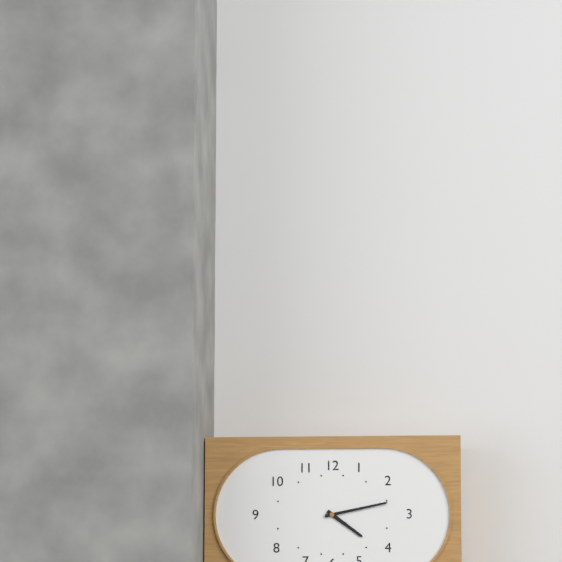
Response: 4:13
